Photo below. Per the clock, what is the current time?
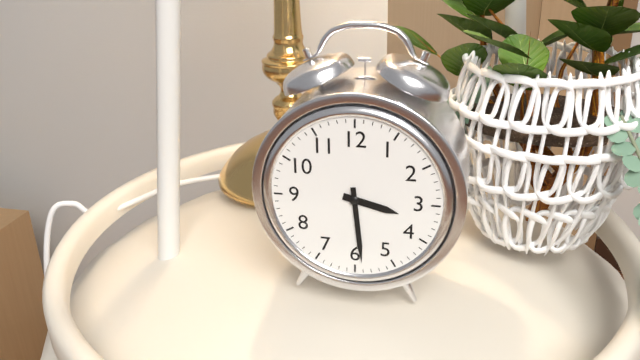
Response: 3:29
